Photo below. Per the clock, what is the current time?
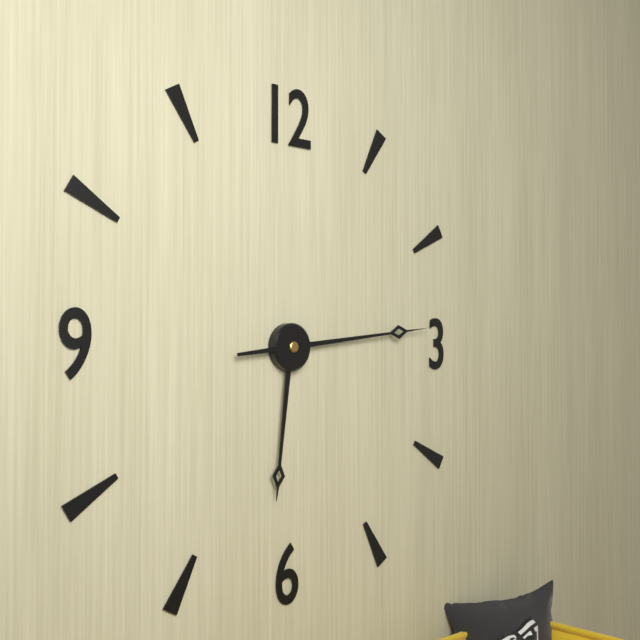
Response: 6:14
